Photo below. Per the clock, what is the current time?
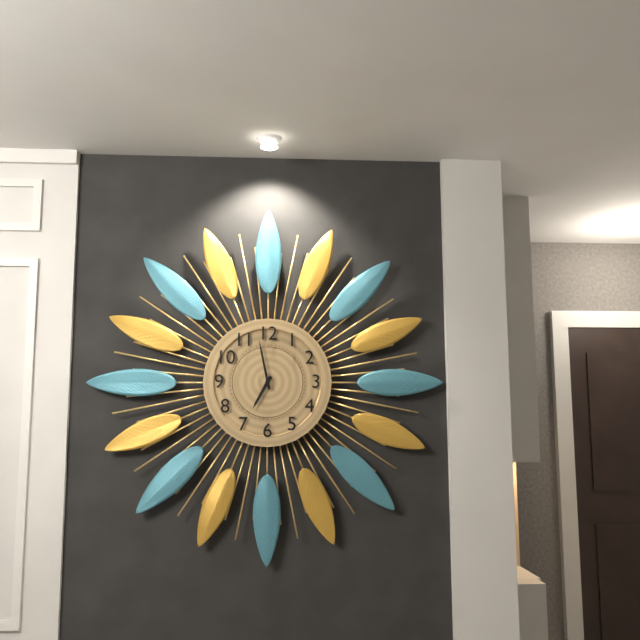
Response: 6:58
